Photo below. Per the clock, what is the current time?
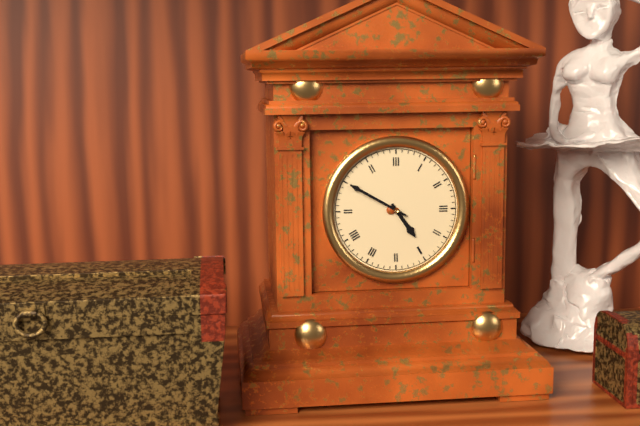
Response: 4:50
